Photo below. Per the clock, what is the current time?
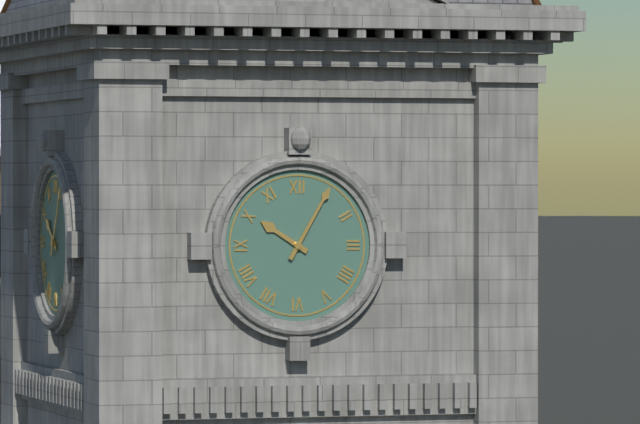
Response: 10:05
